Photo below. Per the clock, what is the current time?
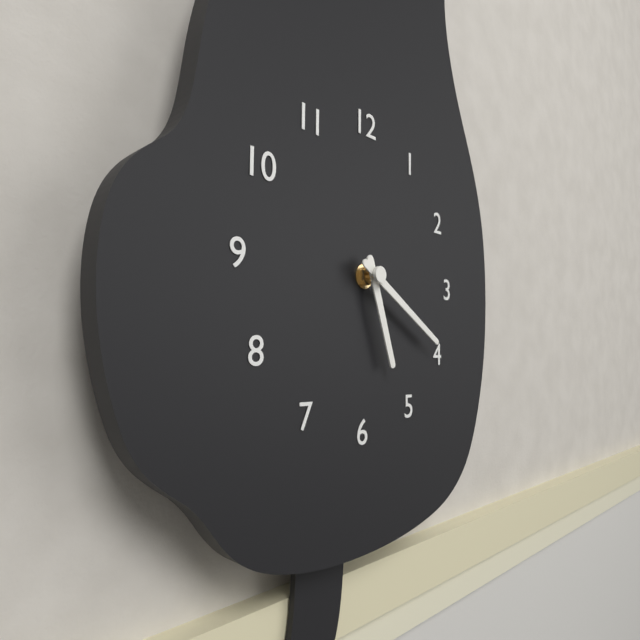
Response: 5:20
